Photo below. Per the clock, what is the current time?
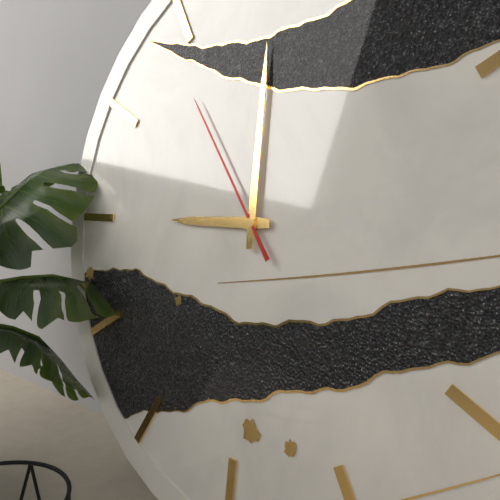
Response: 9:00:54
